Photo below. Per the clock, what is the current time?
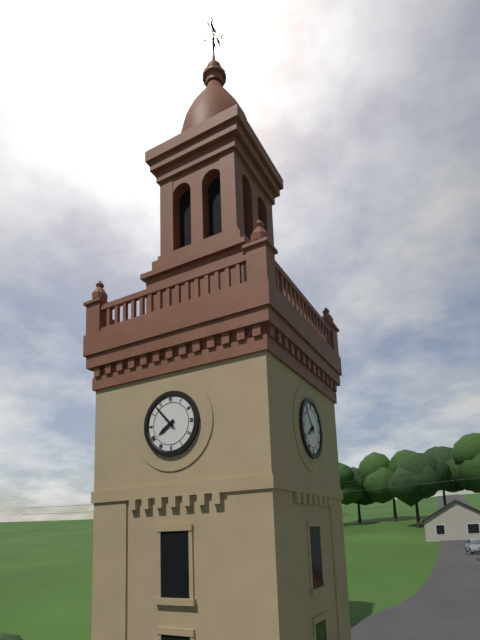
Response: 7:53
